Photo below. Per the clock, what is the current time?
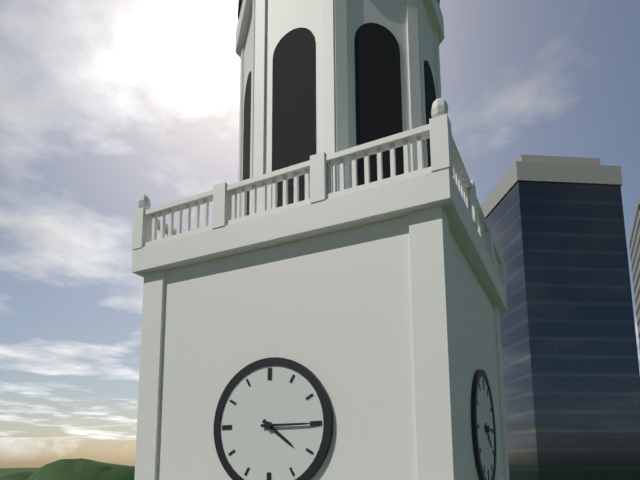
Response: 4:15
